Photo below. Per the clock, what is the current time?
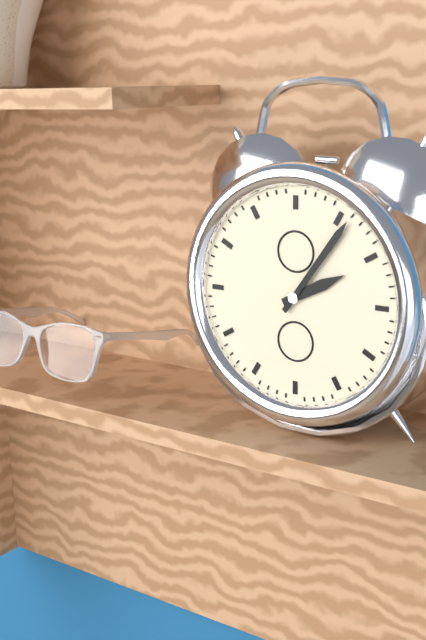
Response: 2:06
